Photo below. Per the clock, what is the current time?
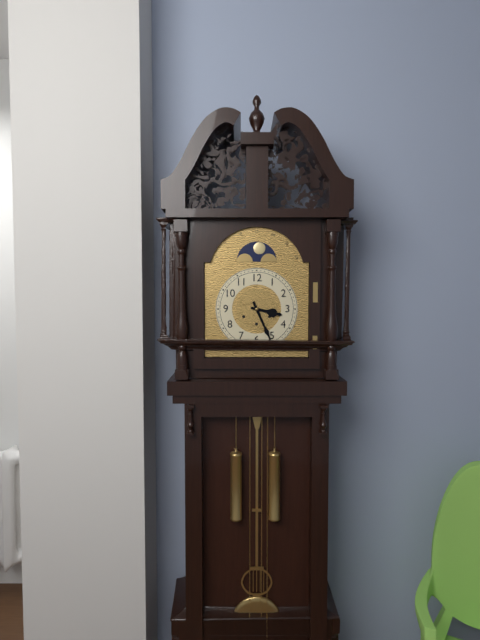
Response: 3:26
